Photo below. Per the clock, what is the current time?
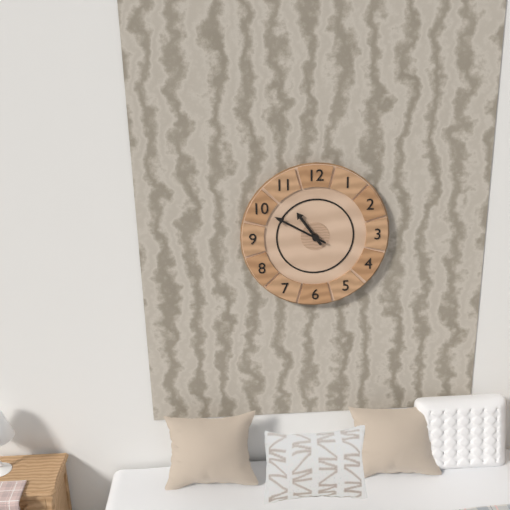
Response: 10:50
